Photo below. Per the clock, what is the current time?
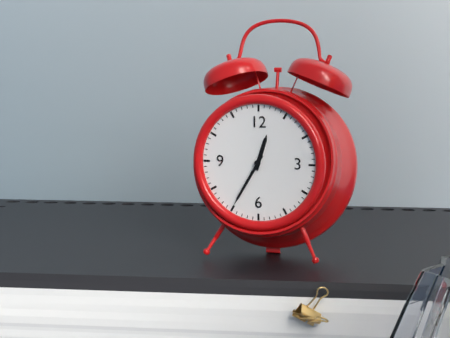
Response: 12:35
